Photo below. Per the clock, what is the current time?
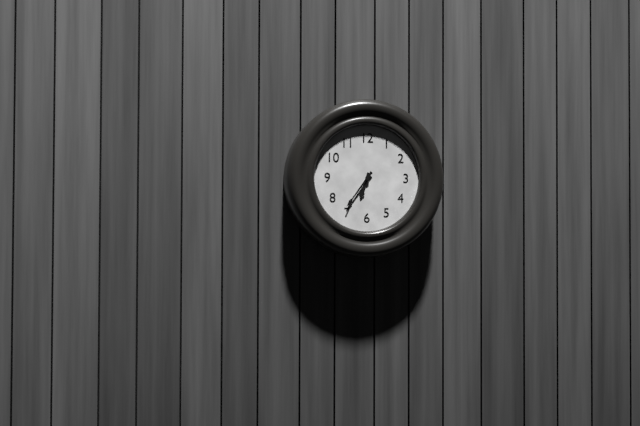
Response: 6:36
